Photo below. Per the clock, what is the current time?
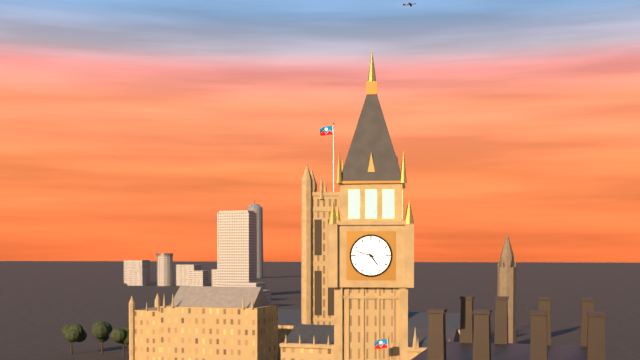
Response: 4:48
